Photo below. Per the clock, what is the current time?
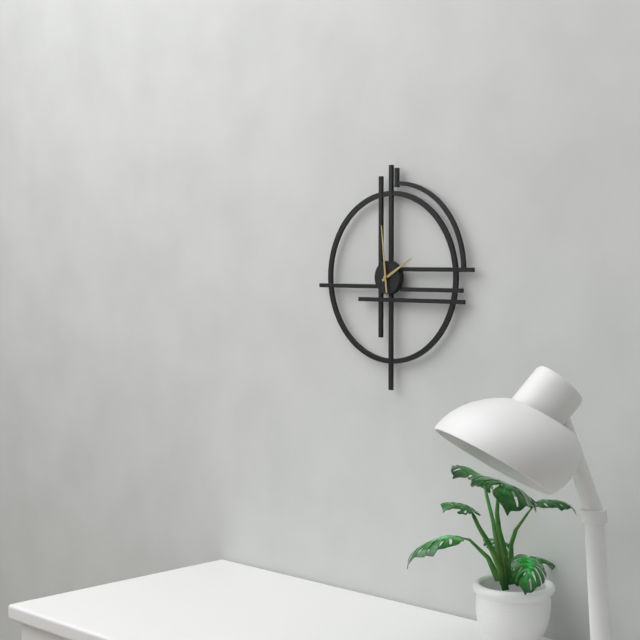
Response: 1:59
